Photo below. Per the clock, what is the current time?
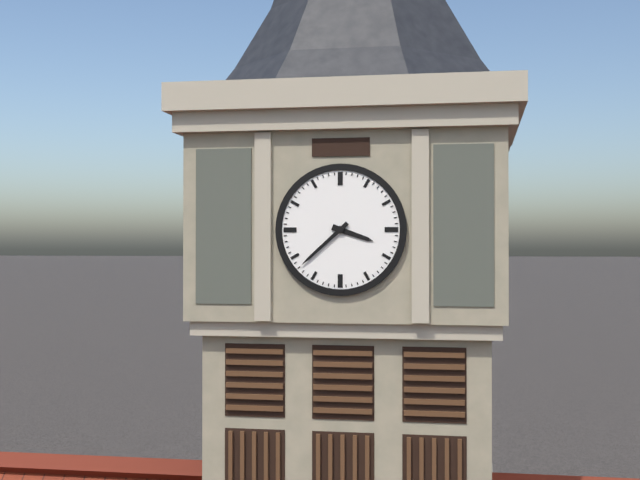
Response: 3:38
